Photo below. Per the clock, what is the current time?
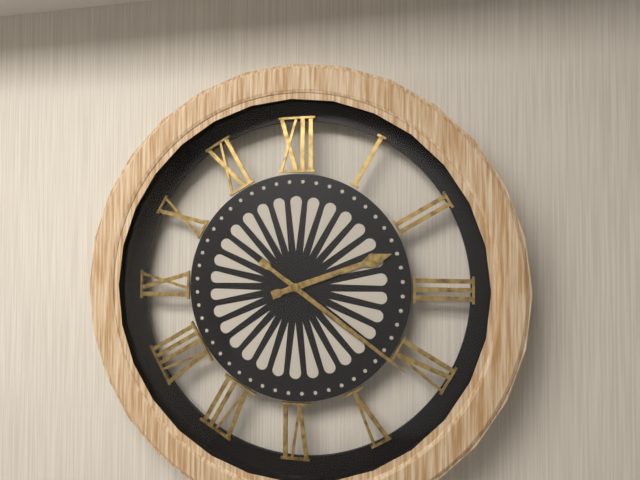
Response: 2:21
